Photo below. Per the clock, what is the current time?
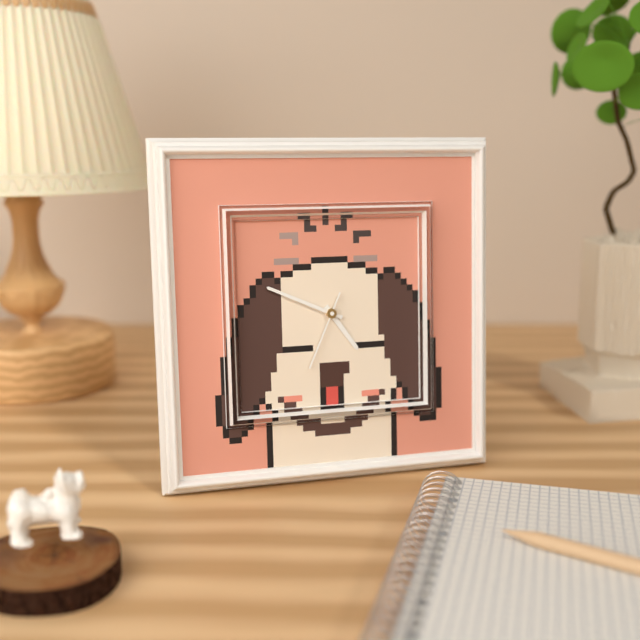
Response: 4:49:34
